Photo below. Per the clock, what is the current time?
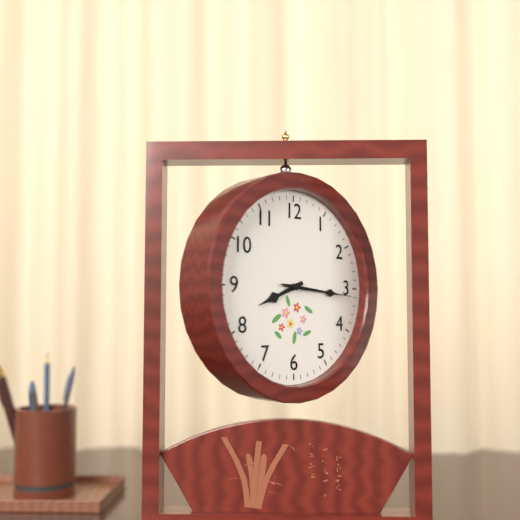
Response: 8:16:16
